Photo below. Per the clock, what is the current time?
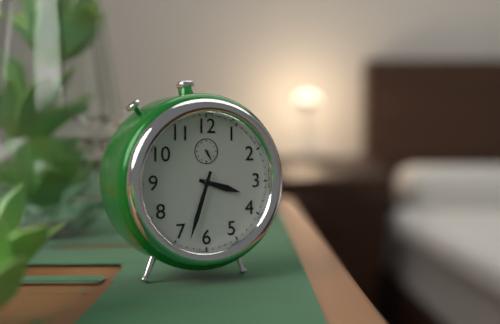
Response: 3:33
